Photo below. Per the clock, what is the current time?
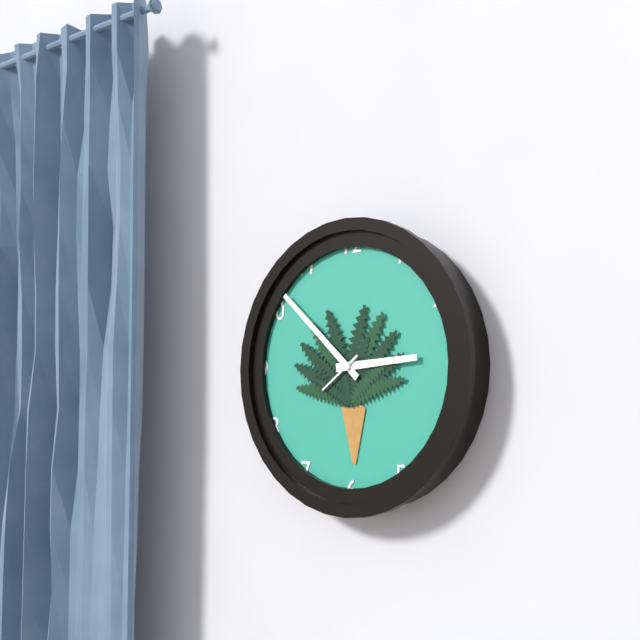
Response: 2:52
